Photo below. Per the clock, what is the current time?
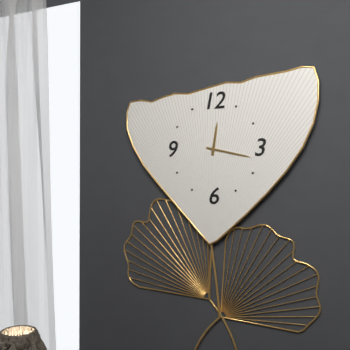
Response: 12:17
